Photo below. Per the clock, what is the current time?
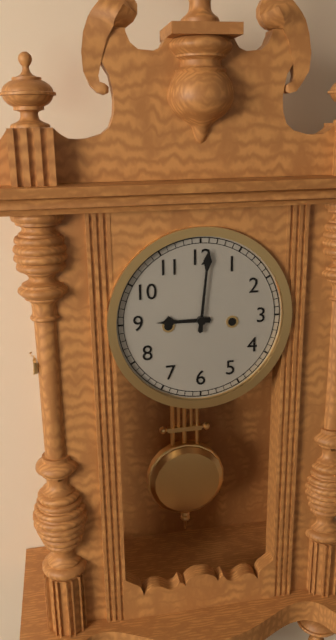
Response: 9:01
